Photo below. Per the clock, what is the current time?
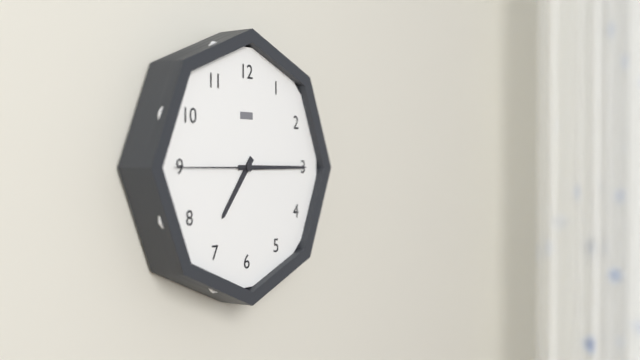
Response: 7:15:45
